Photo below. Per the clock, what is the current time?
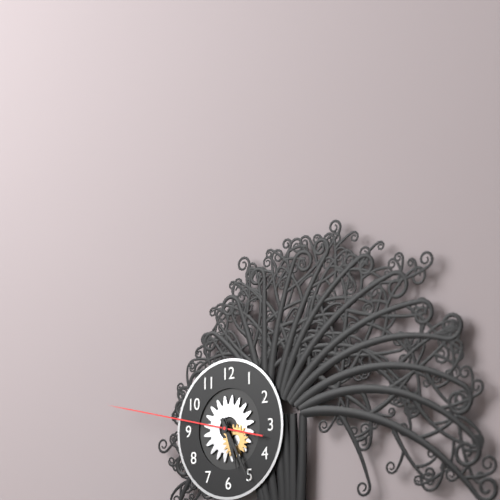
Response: 5:25:47
